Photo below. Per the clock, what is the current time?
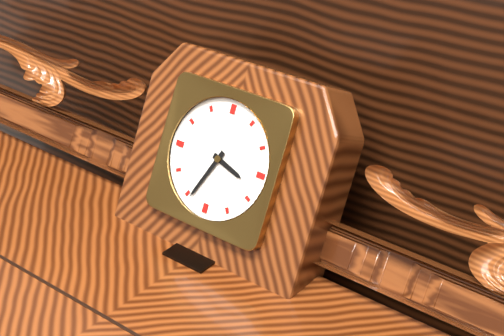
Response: 3:34
